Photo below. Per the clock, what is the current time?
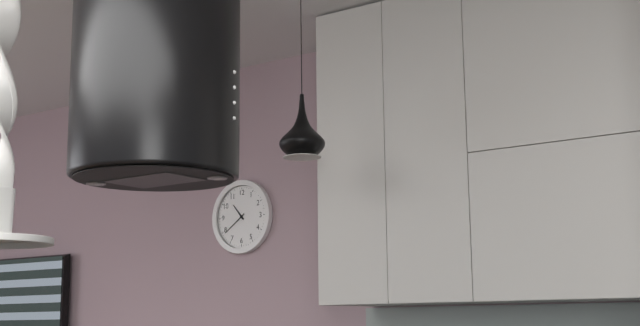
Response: 10:39
